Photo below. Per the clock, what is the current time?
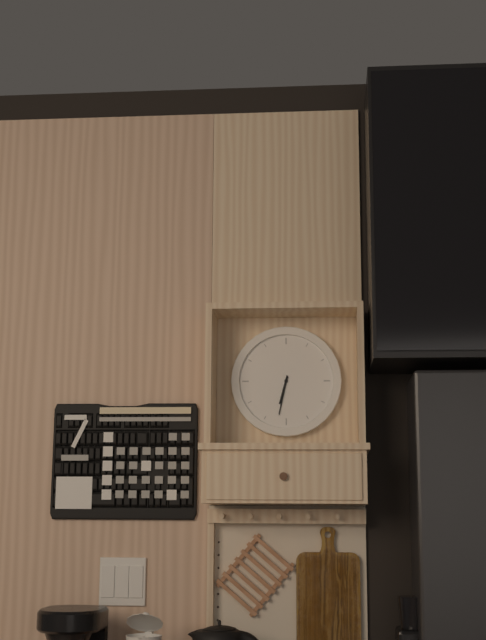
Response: 6:32
